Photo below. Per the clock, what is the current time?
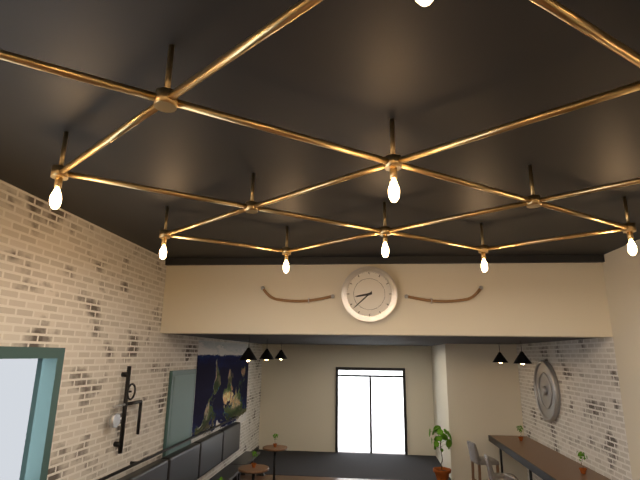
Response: 8:38
